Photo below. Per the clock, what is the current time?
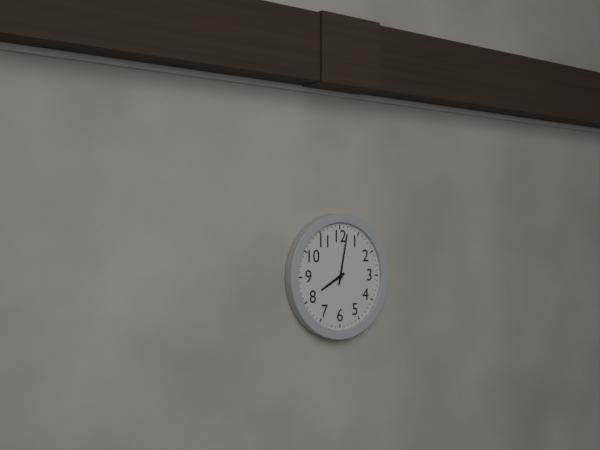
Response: 8:02
